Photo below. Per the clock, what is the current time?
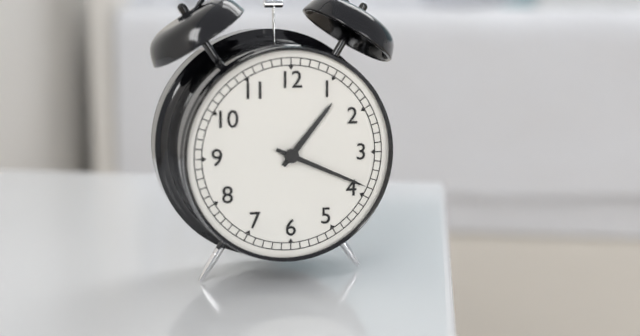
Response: 1:19
